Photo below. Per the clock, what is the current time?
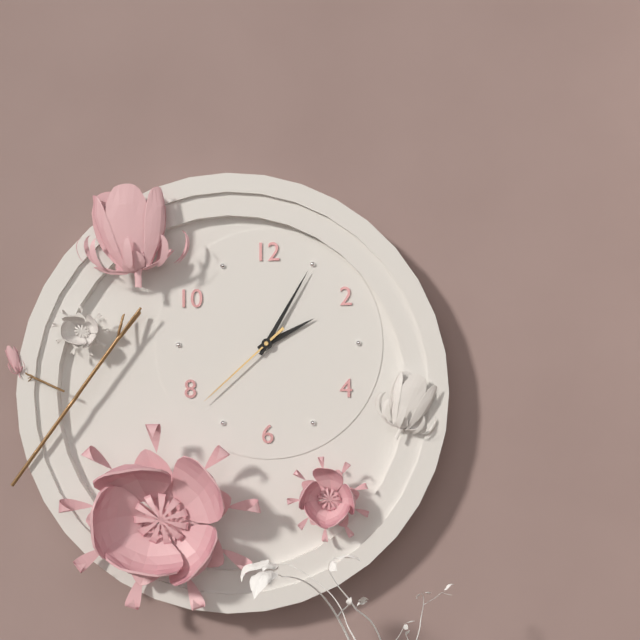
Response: 2:05:38
